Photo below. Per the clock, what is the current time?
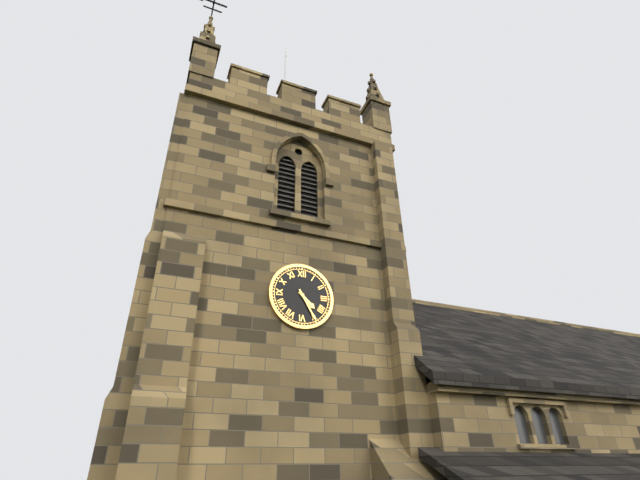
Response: 4:25
